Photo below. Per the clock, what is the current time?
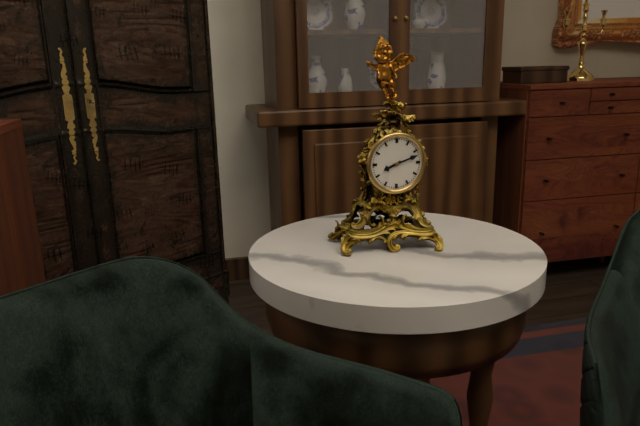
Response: 8:12
